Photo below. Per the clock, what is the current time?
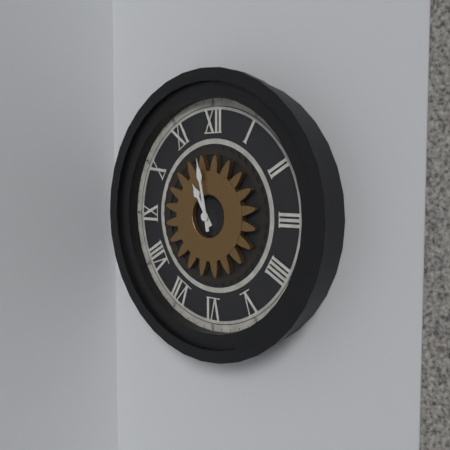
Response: 10:58
